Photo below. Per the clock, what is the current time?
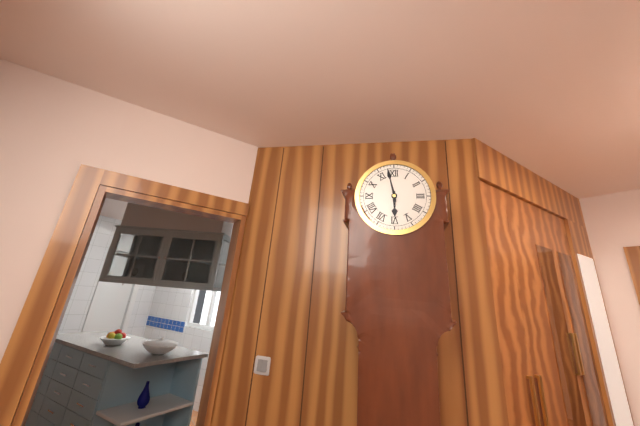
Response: 5:58
